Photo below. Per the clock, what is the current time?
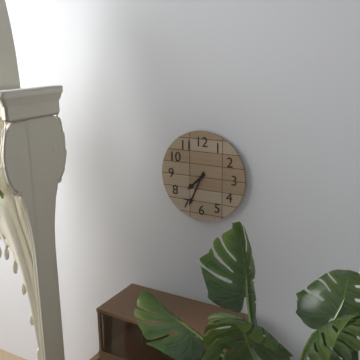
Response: 7:34
